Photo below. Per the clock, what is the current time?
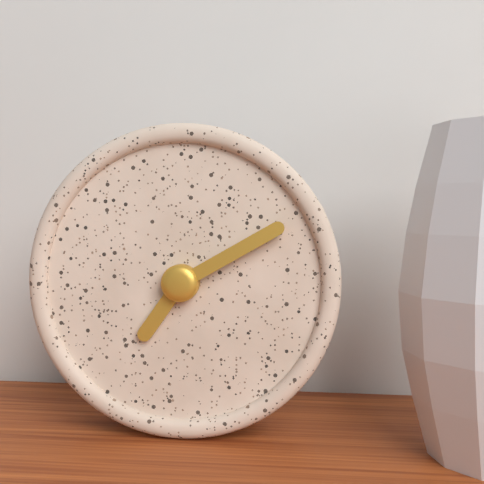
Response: 7:10
